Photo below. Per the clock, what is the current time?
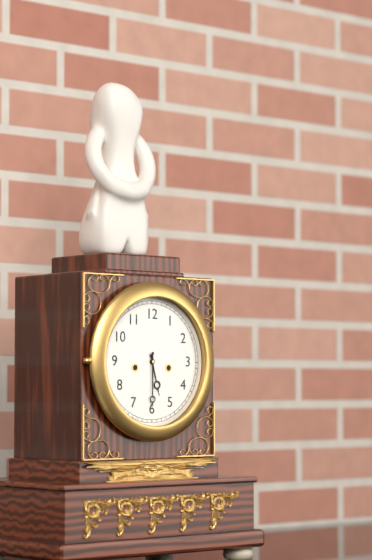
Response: 5:30
